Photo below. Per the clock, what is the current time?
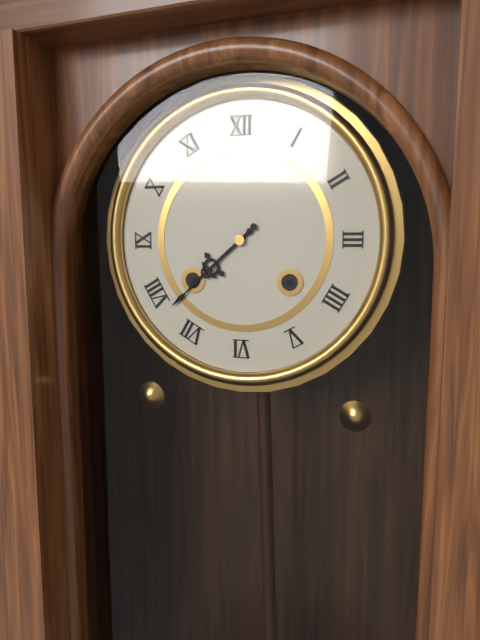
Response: 7:38
